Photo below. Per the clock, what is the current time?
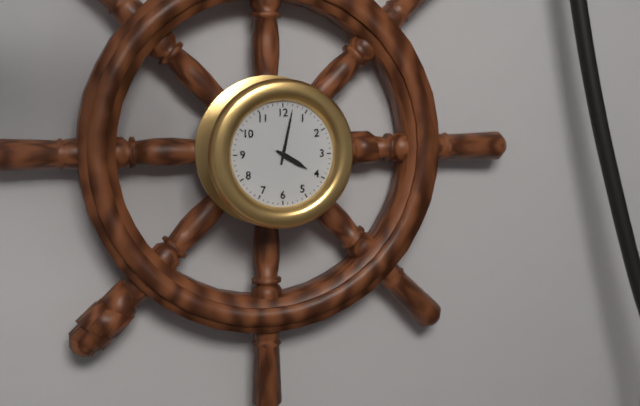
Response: 4:02
